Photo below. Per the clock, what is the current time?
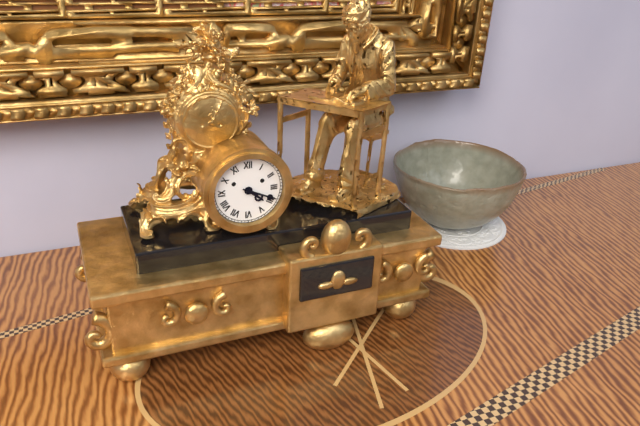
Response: 4:19
